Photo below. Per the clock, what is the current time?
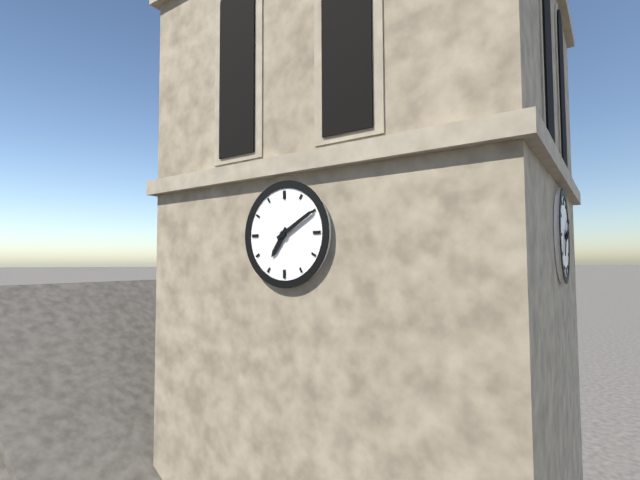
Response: 7:10
